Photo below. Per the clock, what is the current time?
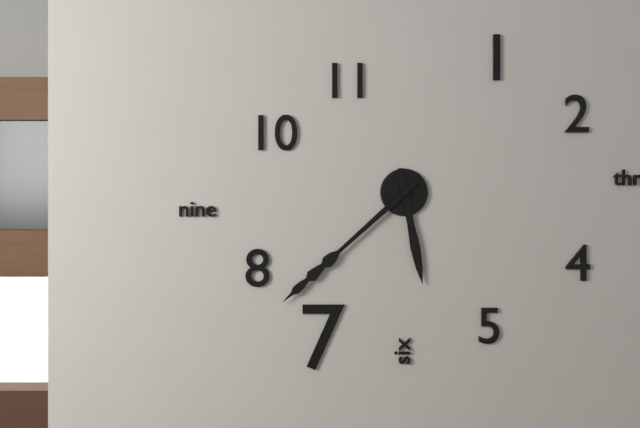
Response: 5:38
